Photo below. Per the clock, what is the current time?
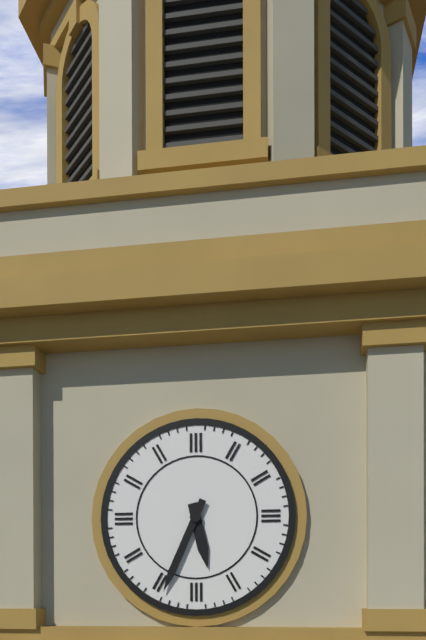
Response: 5:34
